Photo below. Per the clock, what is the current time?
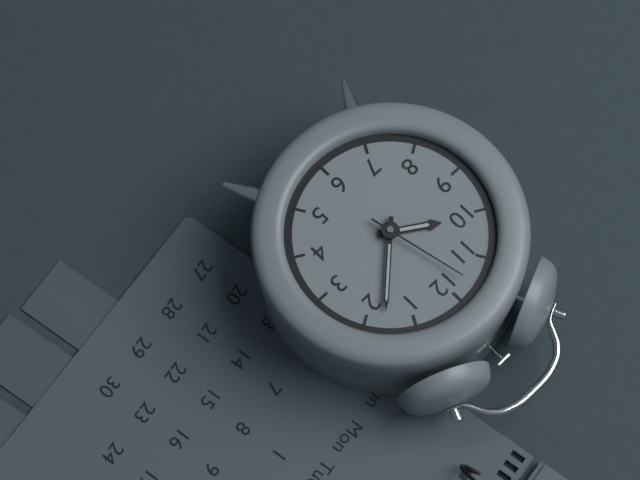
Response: 10:08:58
